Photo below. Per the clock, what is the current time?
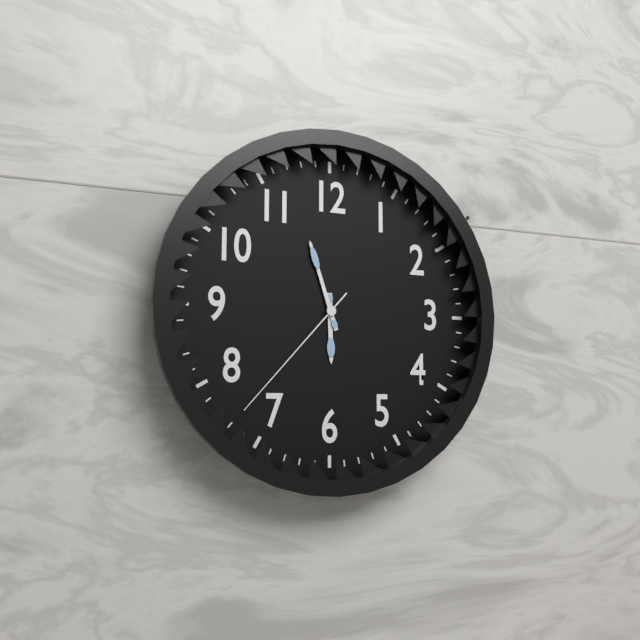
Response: 5:57:37
